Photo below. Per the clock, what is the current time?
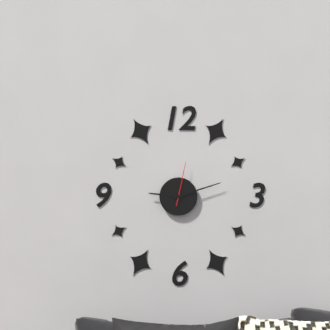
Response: 9:12
